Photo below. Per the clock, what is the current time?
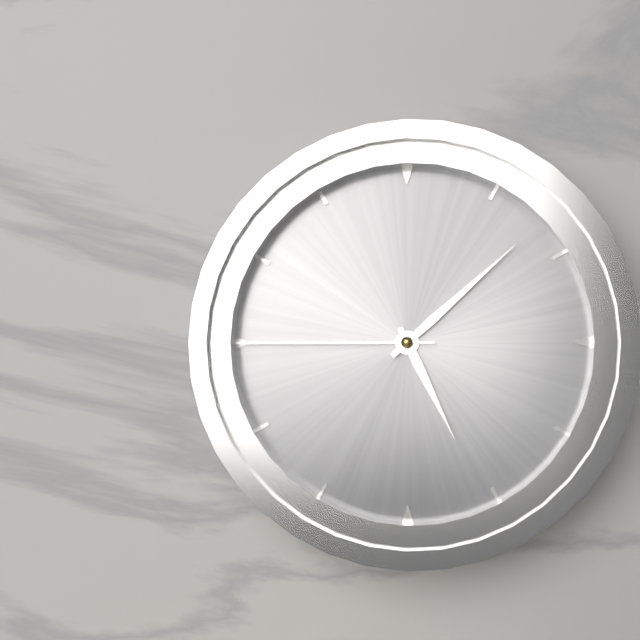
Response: 5:08:45
